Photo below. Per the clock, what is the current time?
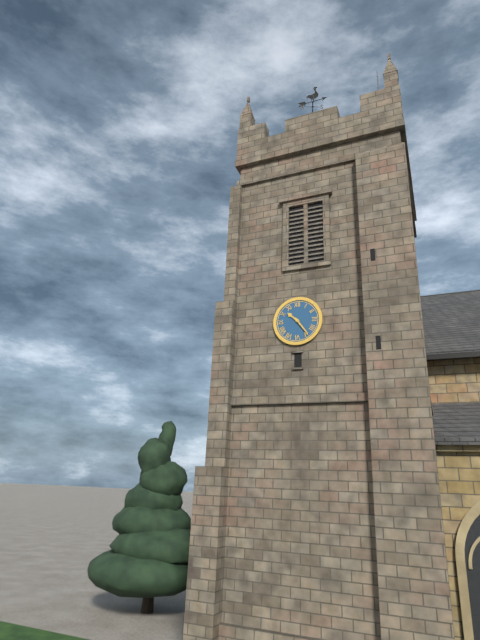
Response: 10:24
